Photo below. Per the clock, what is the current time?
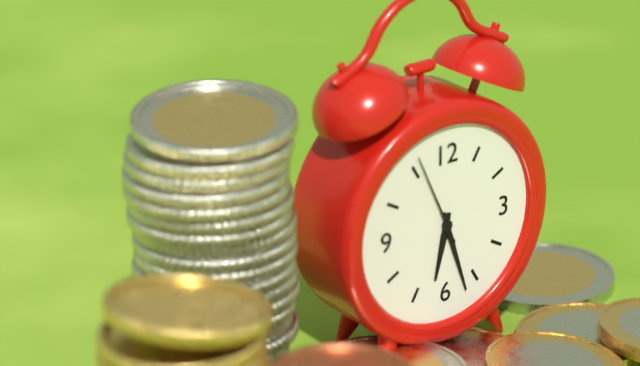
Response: 6:27:56
